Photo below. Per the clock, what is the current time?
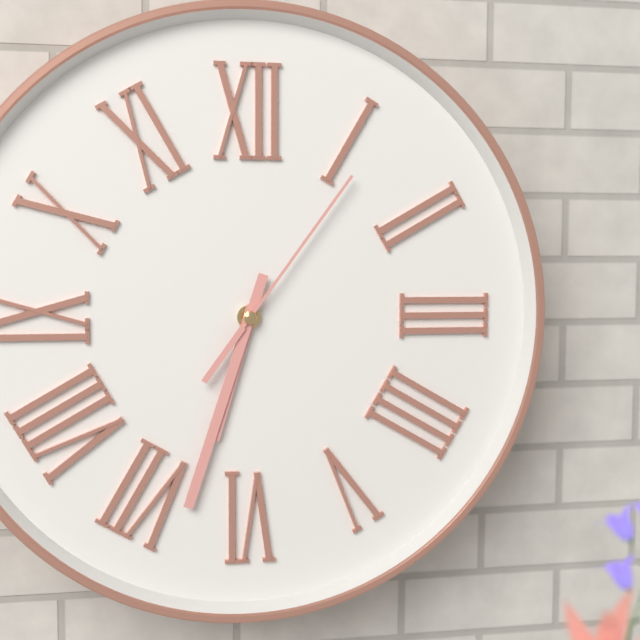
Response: 6:33:06
